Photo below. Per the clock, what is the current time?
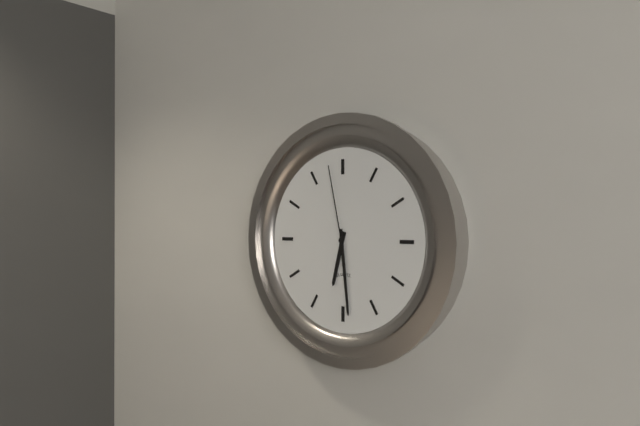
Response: 6:29:58
